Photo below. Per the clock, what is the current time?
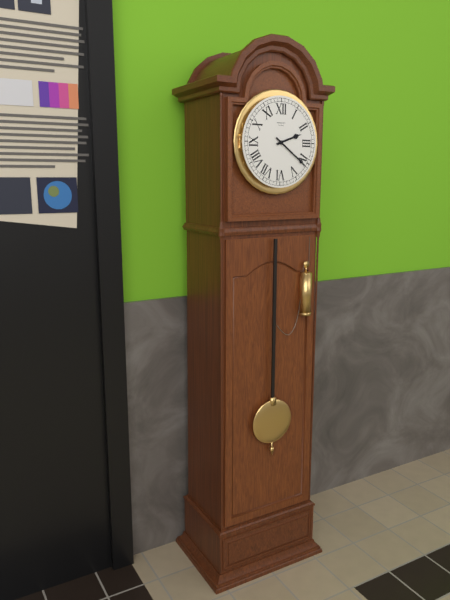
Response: 2:21
